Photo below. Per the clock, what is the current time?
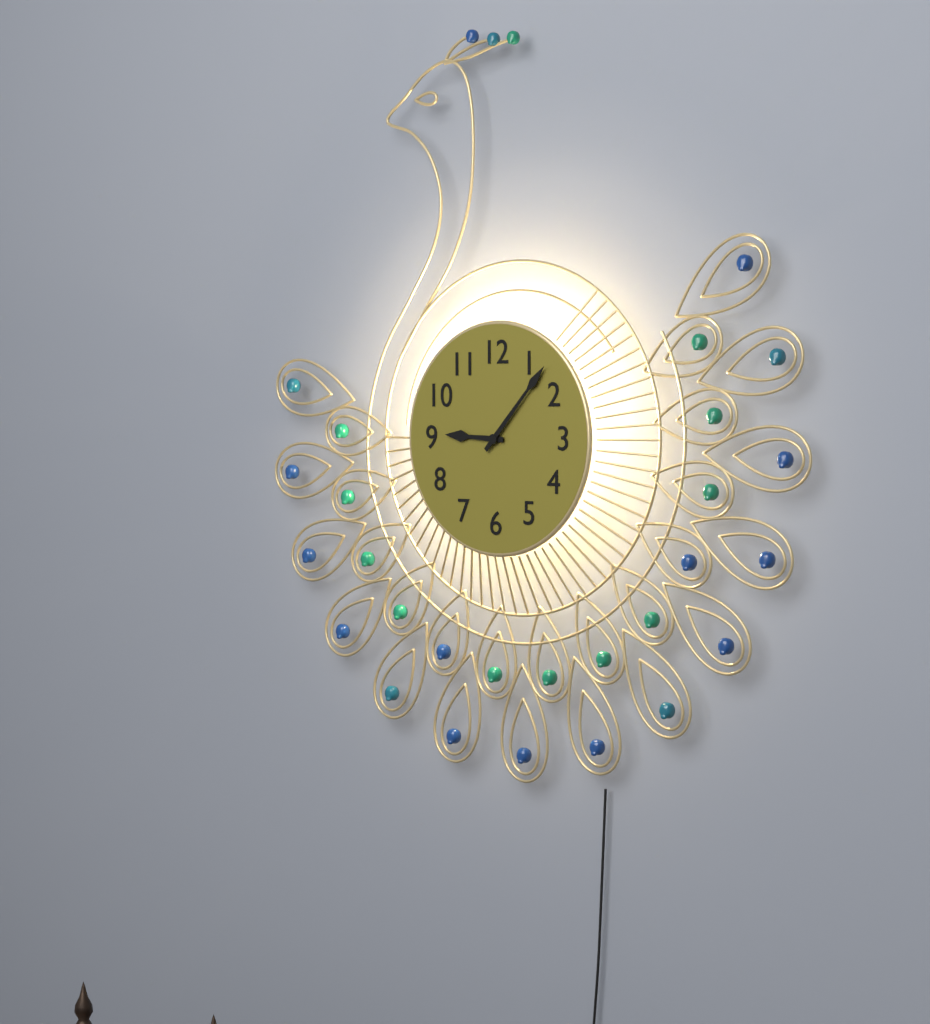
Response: 9:07
